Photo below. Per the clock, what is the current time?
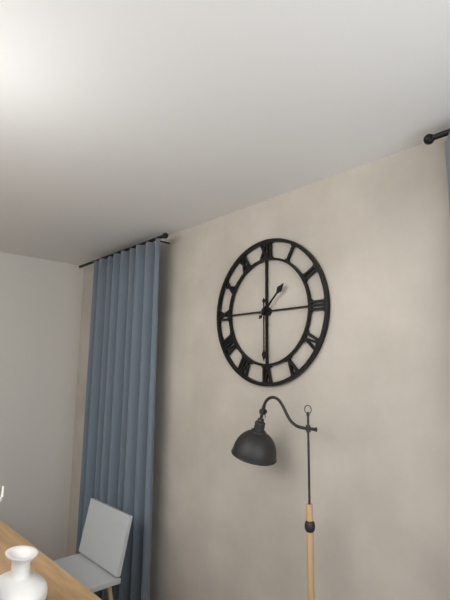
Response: 1:30
